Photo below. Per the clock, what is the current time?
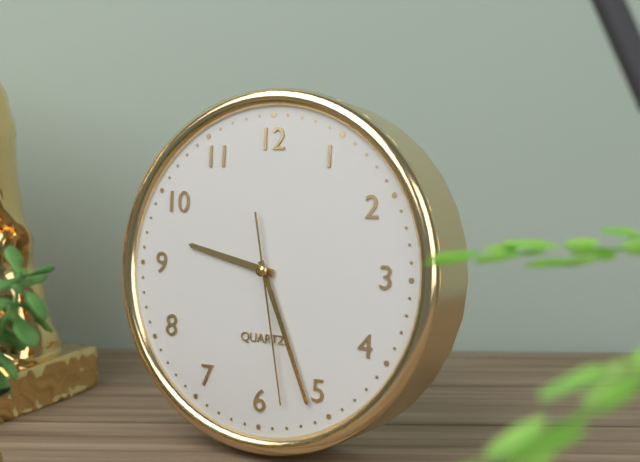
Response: 9:26:28
